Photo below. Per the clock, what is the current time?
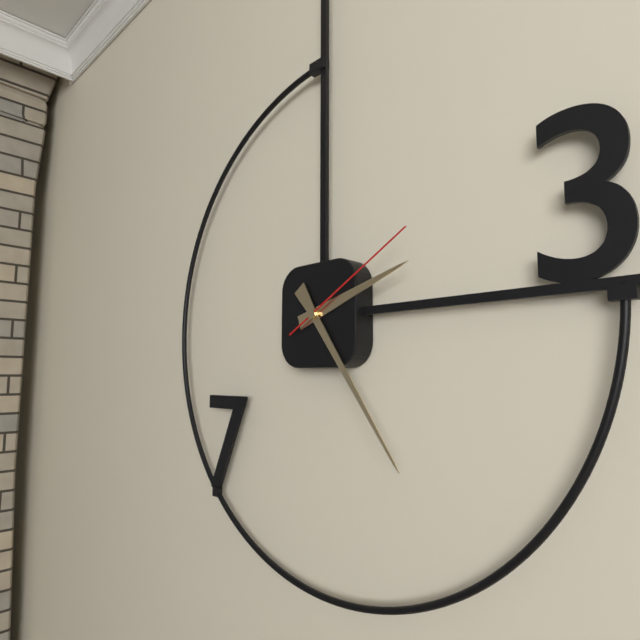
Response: 2:24:10
